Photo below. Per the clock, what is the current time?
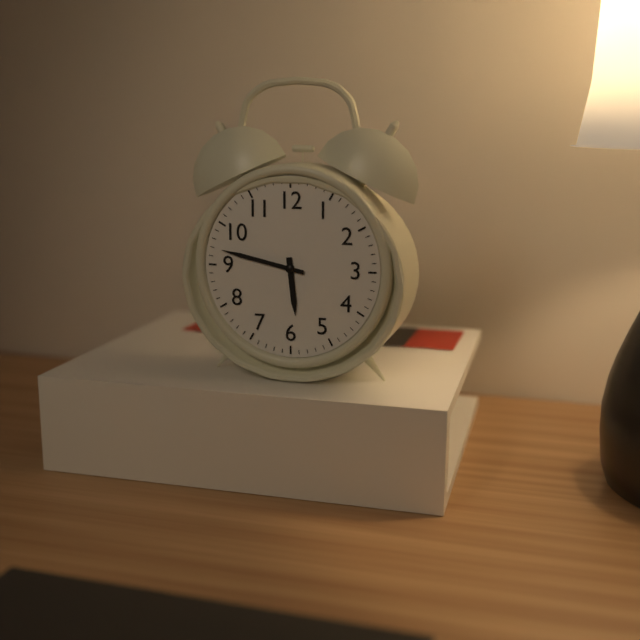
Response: 5:47
